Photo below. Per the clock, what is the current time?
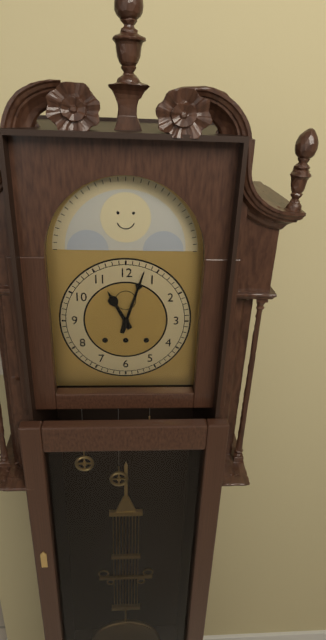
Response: 11:03
